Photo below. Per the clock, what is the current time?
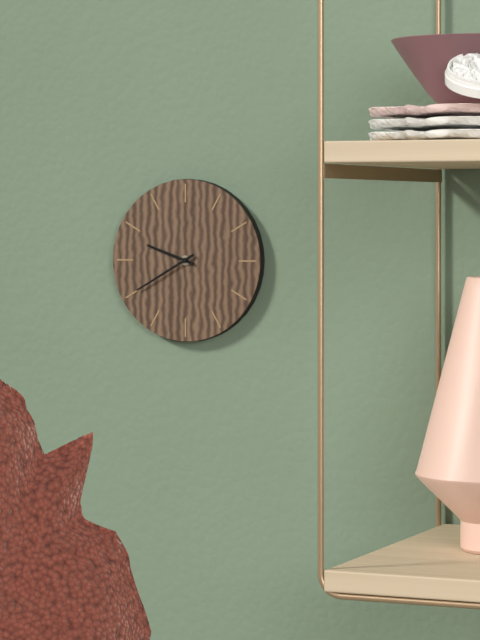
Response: 9:40
